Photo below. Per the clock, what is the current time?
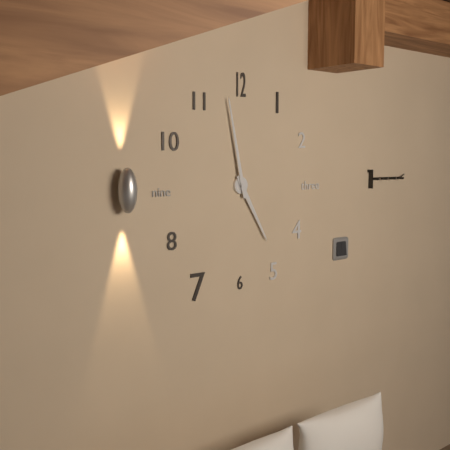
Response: 4:58
